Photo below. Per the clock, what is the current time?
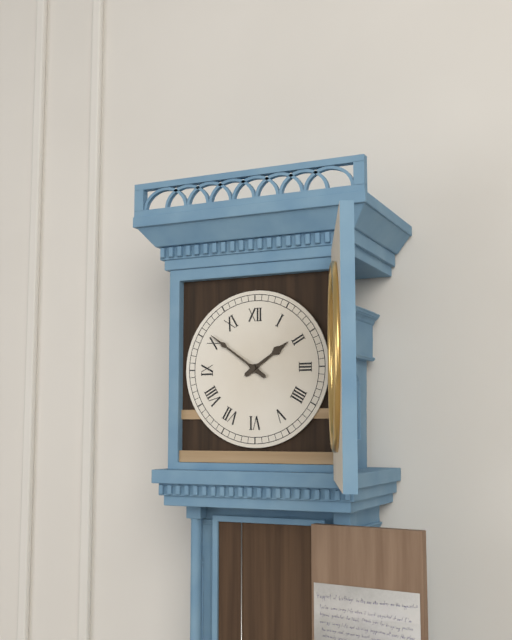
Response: 1:51
